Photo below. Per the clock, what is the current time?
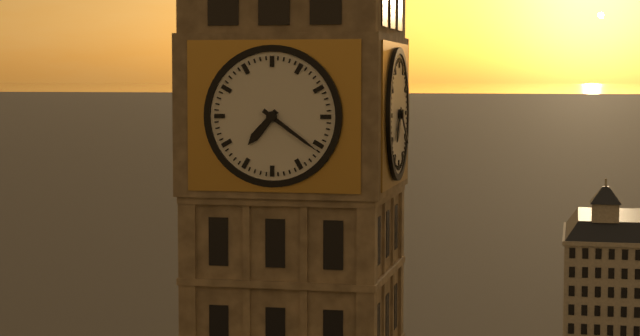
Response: 7:21
